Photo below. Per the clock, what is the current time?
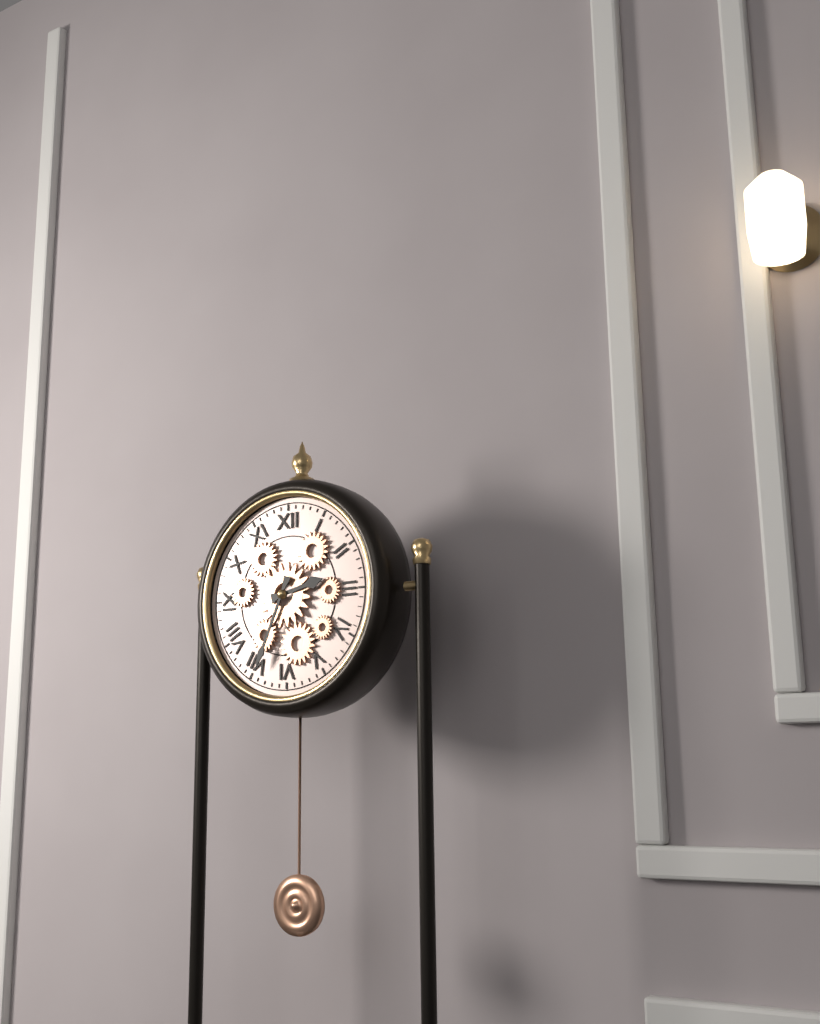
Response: 2:34
